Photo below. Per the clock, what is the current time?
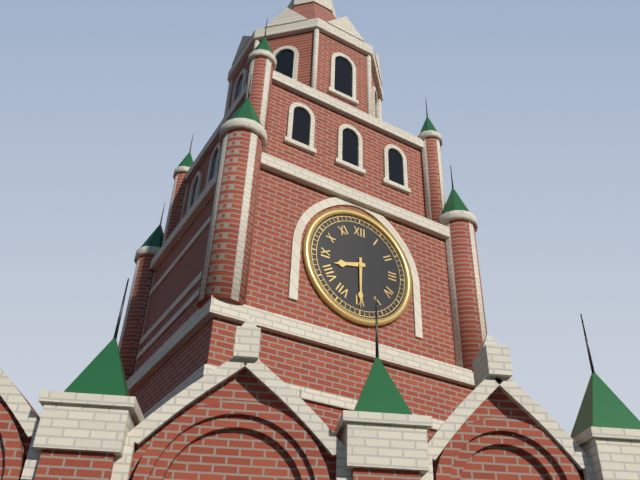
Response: 8:30
